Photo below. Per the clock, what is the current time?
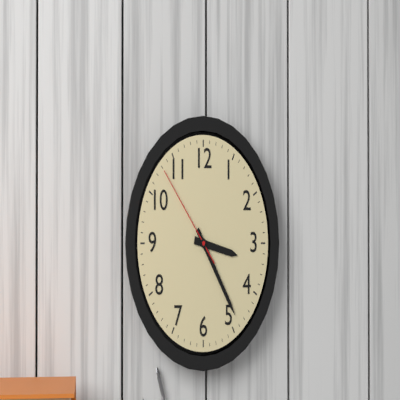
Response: 3:24:53
